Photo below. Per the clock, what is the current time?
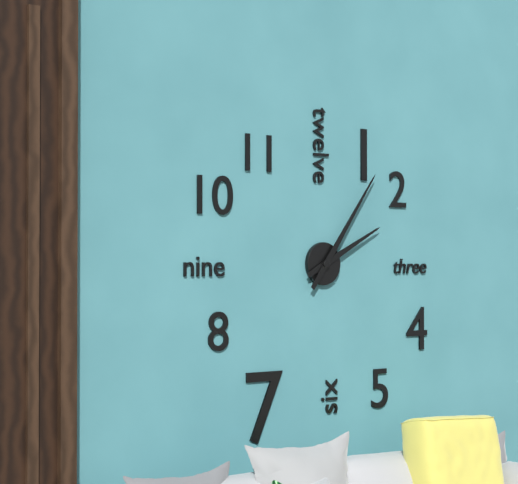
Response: 2:06
